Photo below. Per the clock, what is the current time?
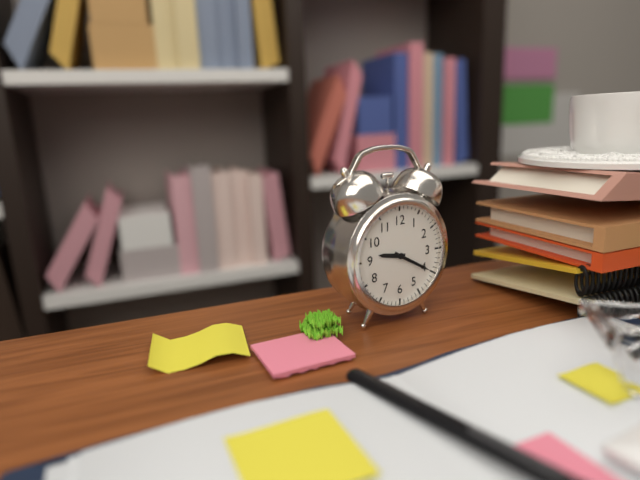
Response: 9:20
